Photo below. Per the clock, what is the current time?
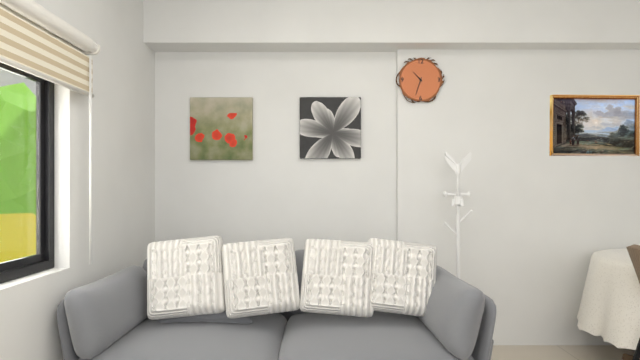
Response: 10:33
